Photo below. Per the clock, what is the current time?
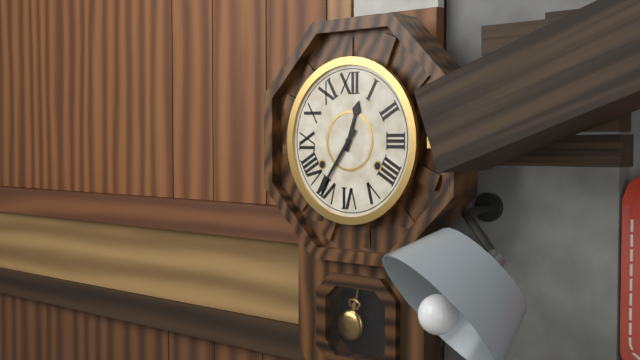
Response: 12:36
